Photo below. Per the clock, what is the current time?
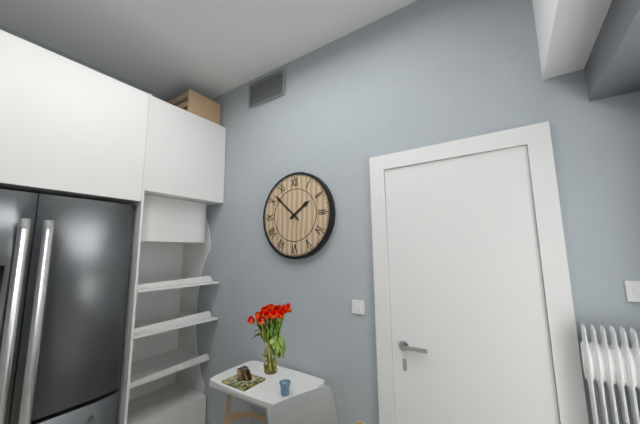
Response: 1:52
